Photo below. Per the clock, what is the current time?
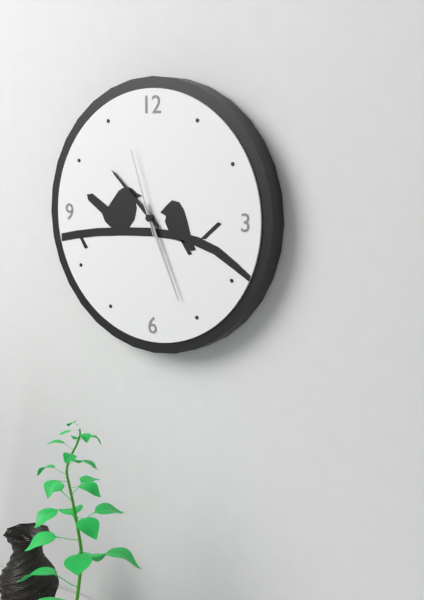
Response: 10:26:57
